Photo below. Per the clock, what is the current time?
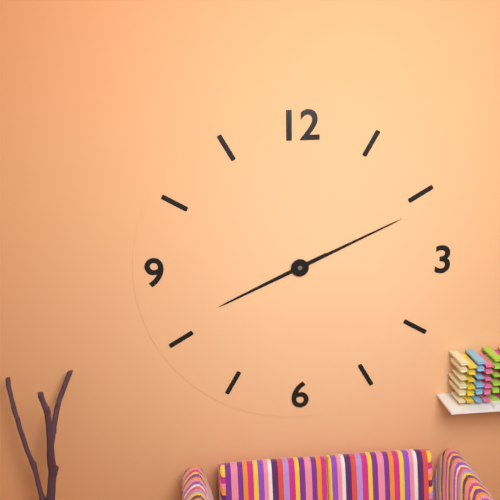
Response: 8:11
